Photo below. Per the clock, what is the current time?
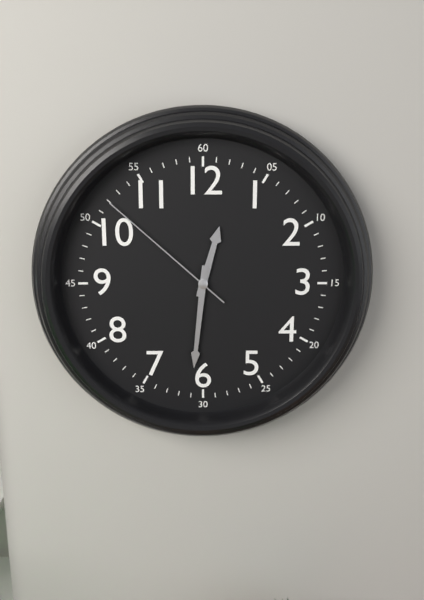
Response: 12:31:52
